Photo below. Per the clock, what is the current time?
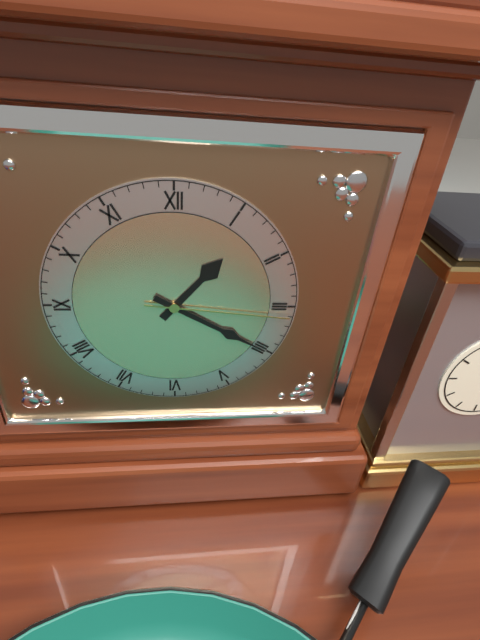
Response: 1:20:16
